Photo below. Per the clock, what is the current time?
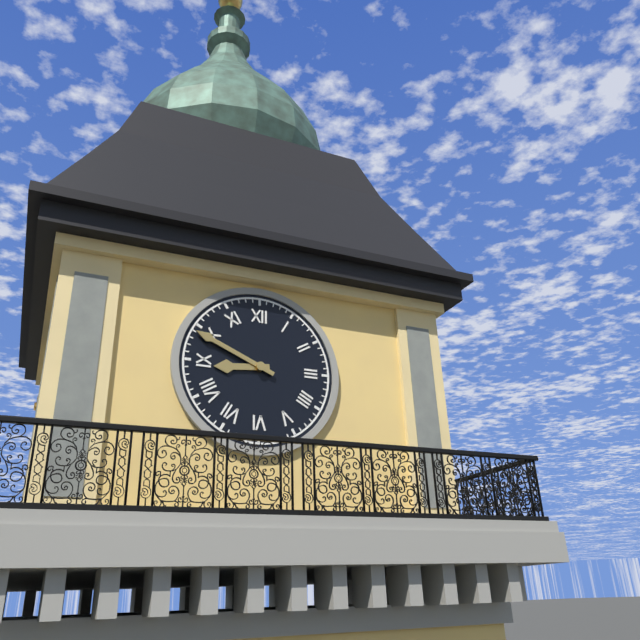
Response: 8:49
